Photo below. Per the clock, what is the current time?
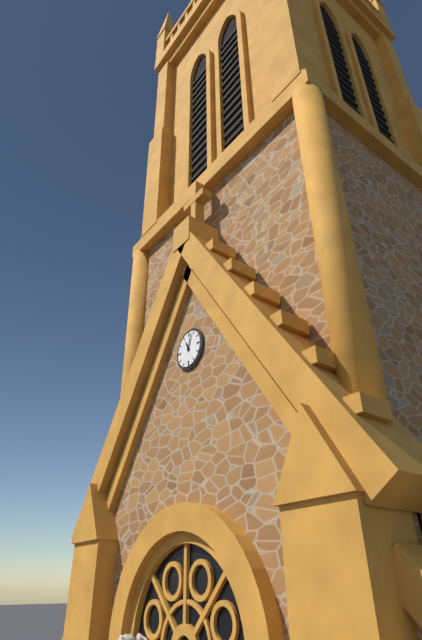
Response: 11:03
